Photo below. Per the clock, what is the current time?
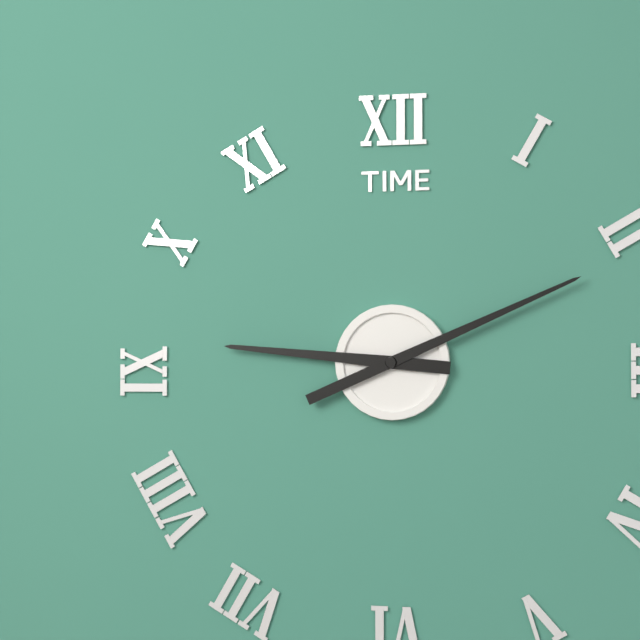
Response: 9:11
